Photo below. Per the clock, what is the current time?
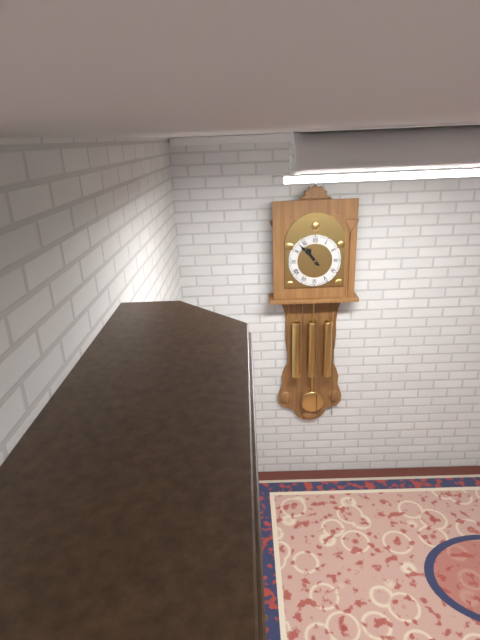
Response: 10:53
